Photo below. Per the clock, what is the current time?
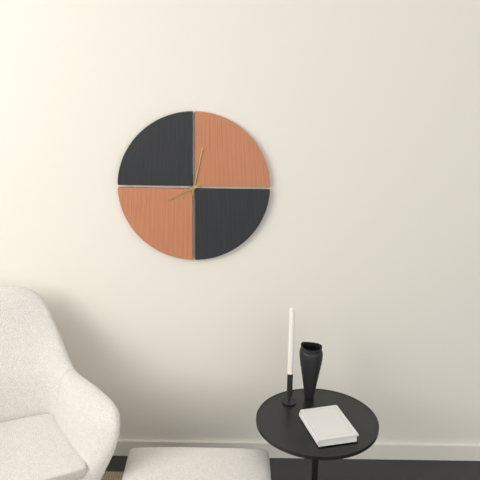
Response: 8:02
